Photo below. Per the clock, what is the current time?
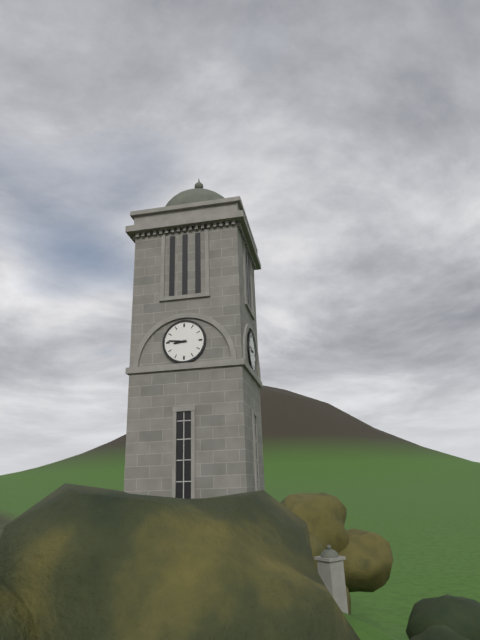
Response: 8:46
